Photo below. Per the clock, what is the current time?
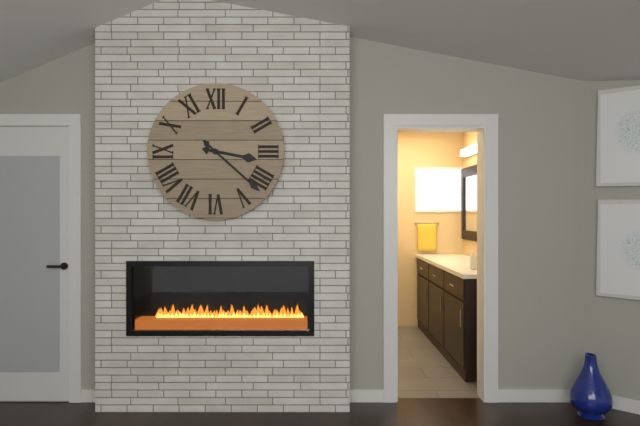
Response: 3:22
